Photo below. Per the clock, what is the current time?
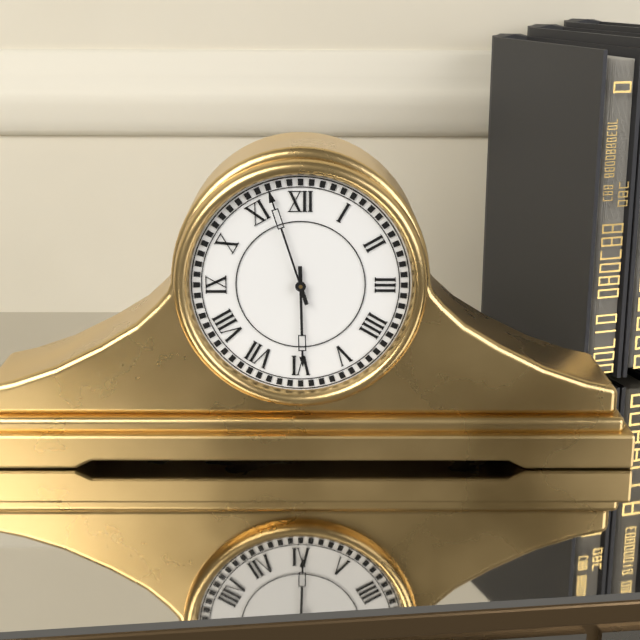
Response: 5:57
